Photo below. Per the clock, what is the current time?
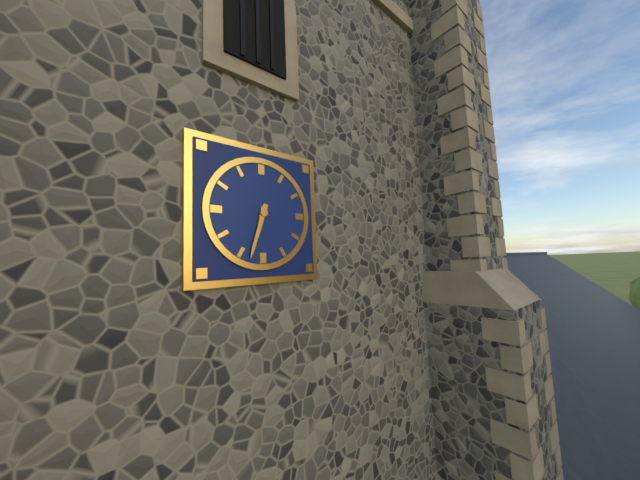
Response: 6:33
